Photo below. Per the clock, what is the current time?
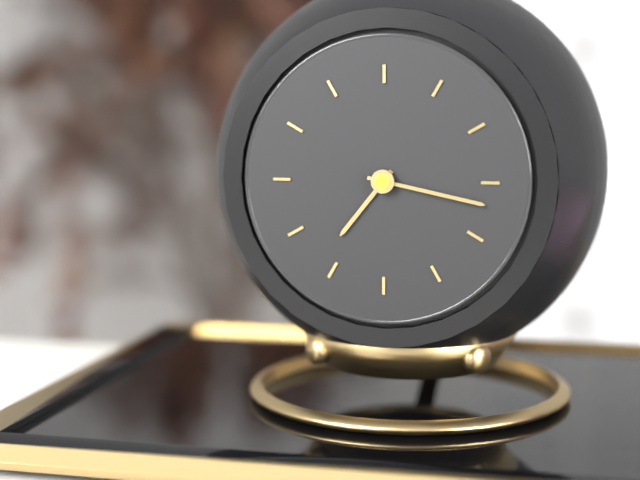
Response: 7:17
